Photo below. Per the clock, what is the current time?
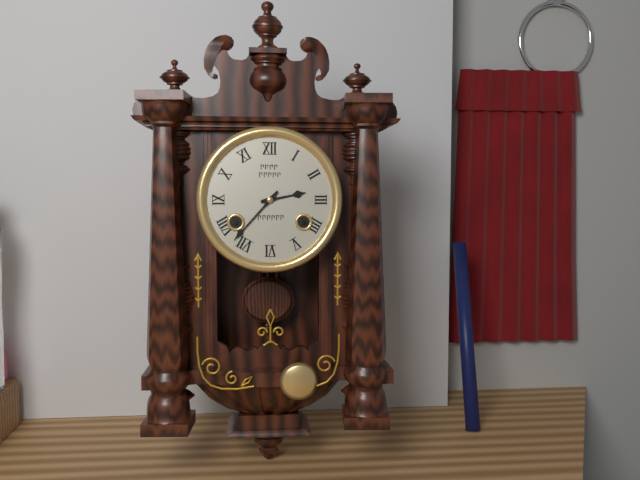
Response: 2:37
